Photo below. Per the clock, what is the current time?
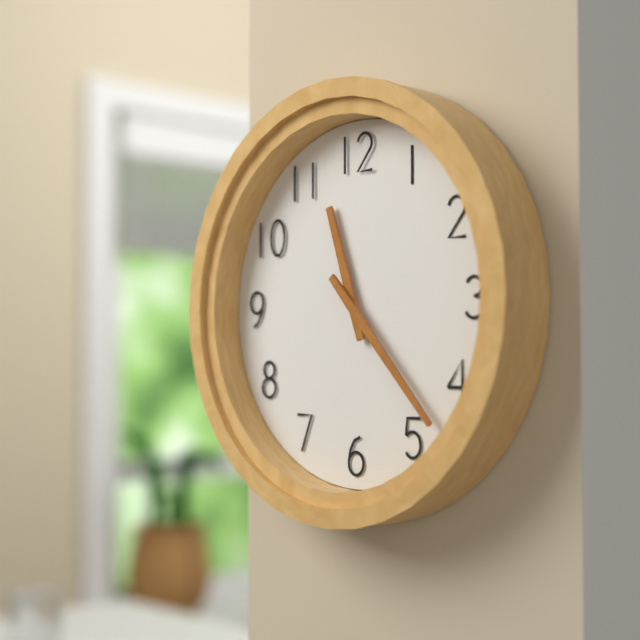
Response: 11:23
